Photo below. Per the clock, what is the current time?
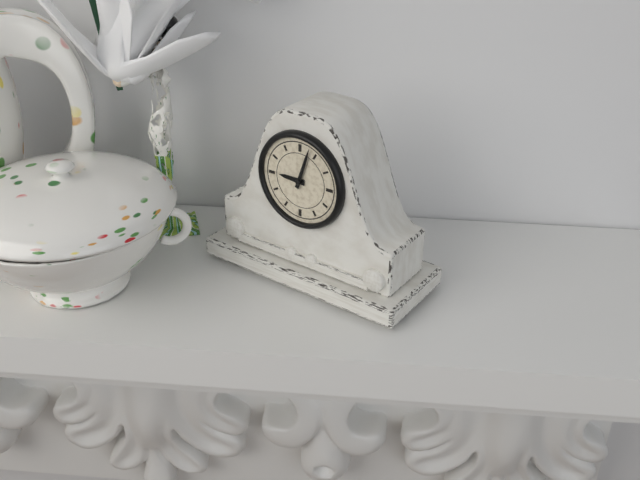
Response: 9:03
